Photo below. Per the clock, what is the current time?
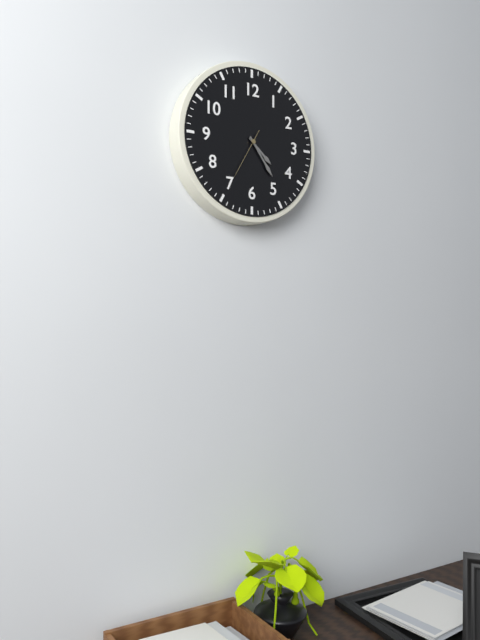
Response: 4:24:35
